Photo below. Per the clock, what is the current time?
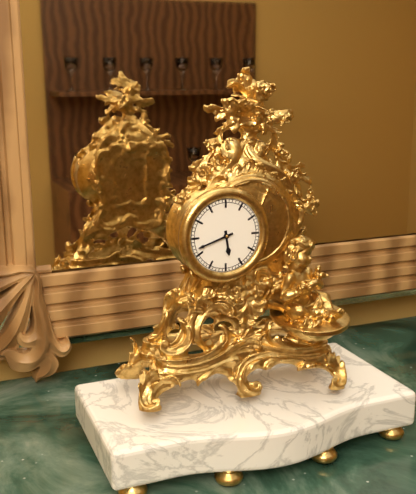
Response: 5:42
